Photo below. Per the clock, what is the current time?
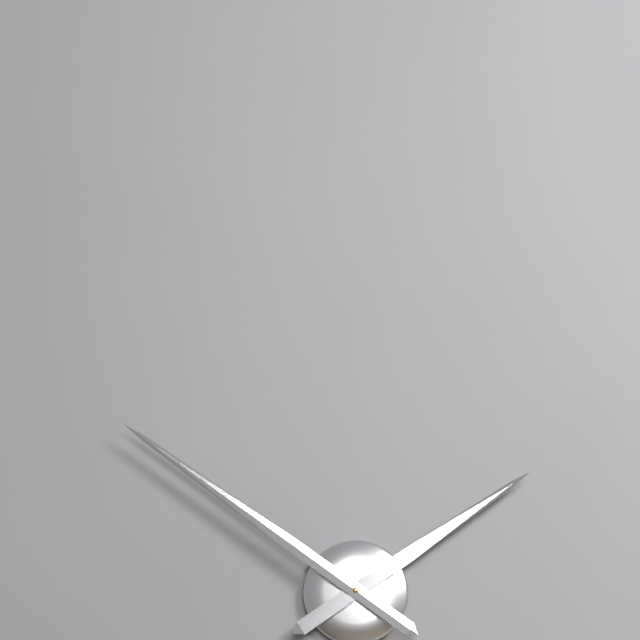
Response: 1:51
